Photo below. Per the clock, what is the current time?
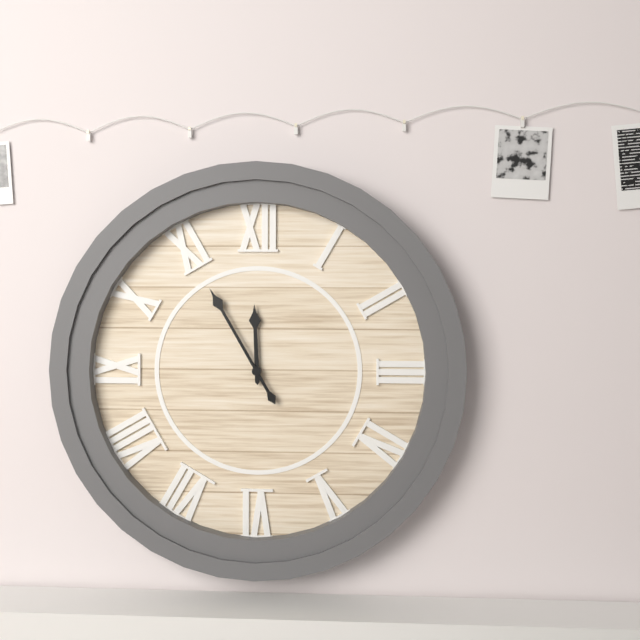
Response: 11:55
